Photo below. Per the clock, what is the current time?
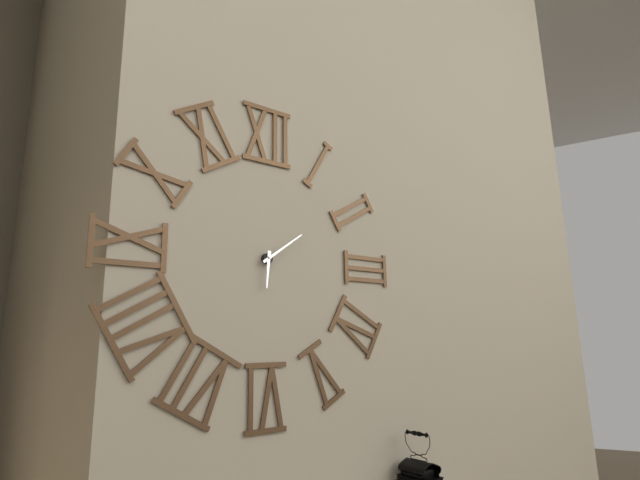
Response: 6:09
